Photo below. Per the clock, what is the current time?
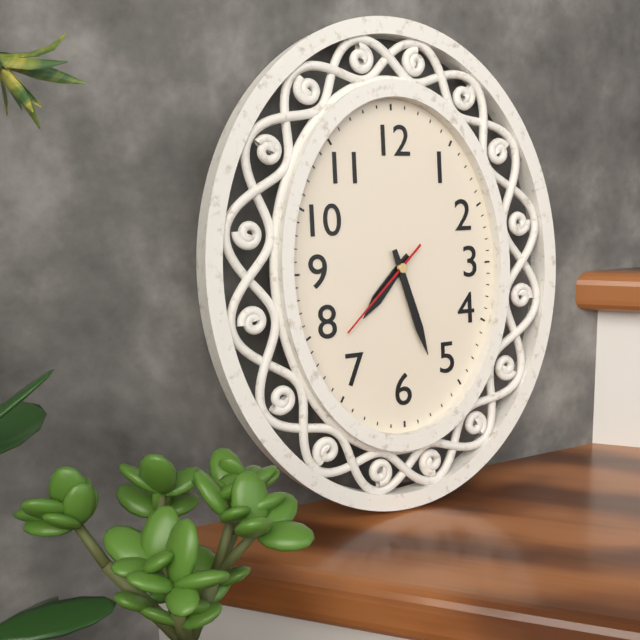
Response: 7:27:38
